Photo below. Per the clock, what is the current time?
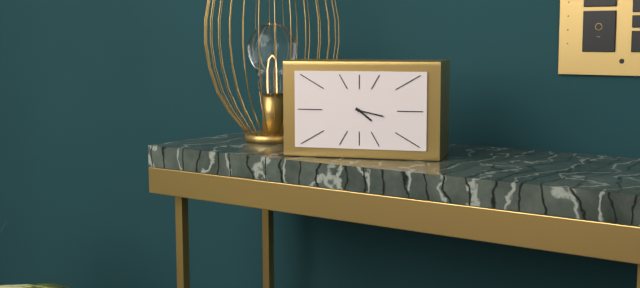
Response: 4:17
